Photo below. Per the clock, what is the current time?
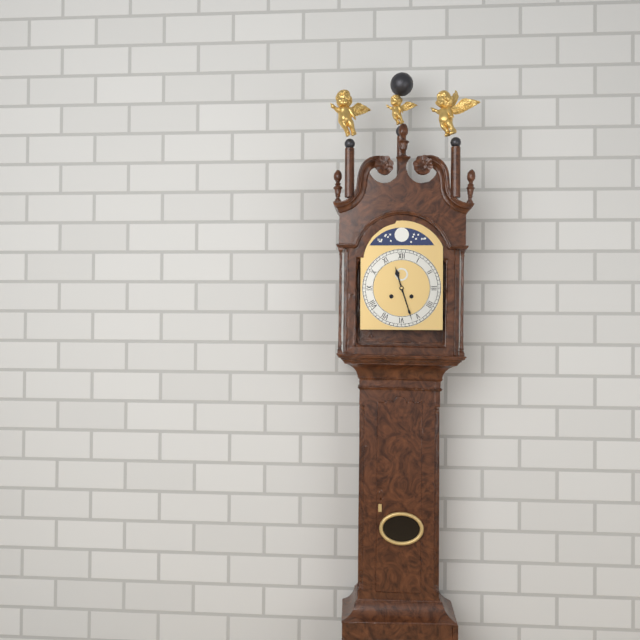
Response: 11:27
